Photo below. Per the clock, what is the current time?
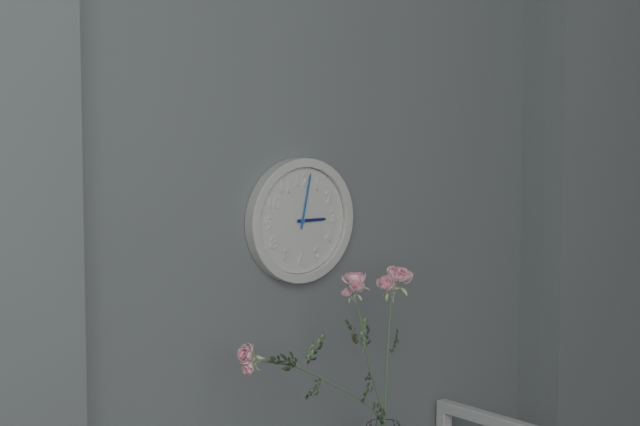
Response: 3:02
